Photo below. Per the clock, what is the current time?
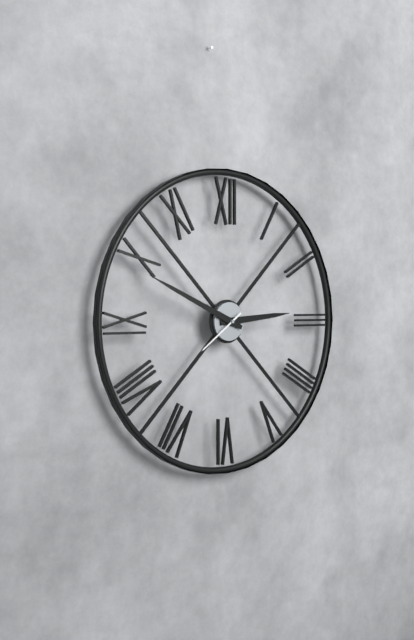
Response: 2:49:39
